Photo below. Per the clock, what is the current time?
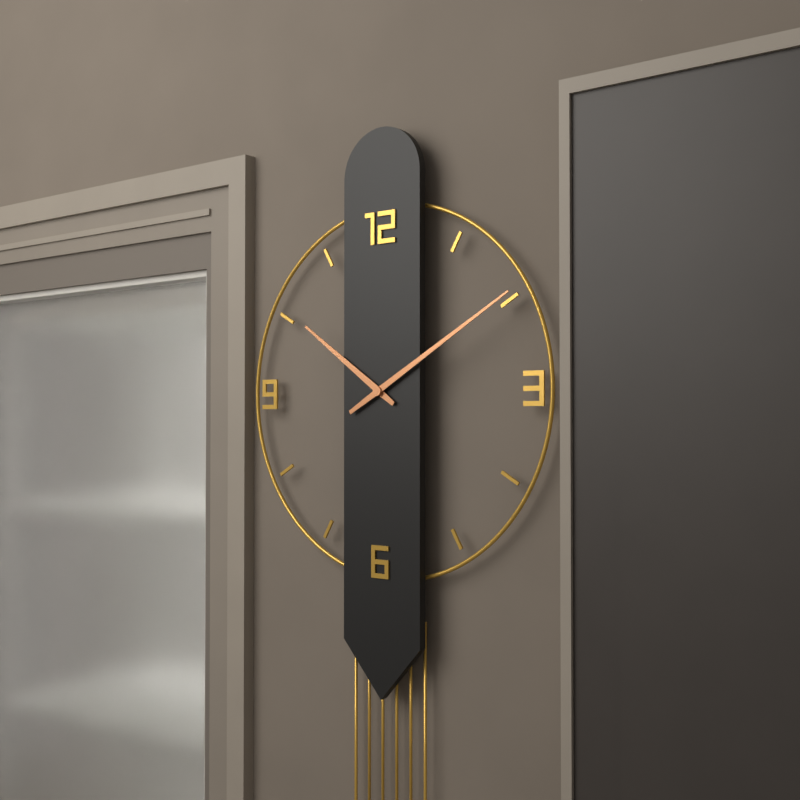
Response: 10:10
